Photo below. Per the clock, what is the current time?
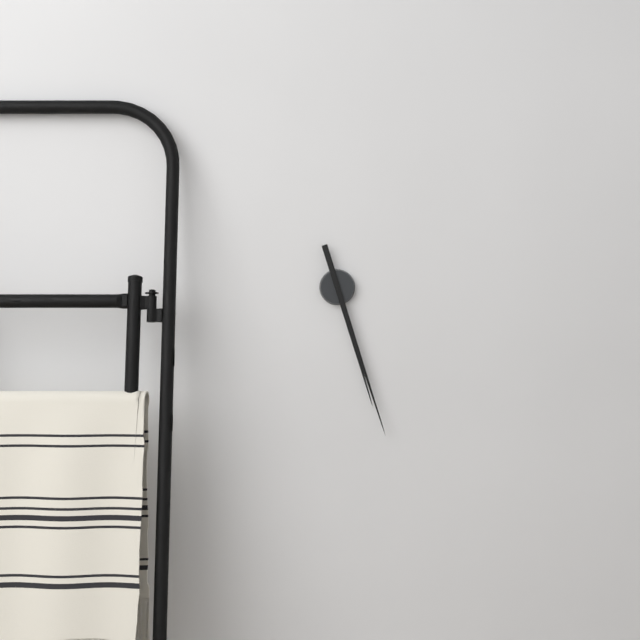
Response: 5:27
